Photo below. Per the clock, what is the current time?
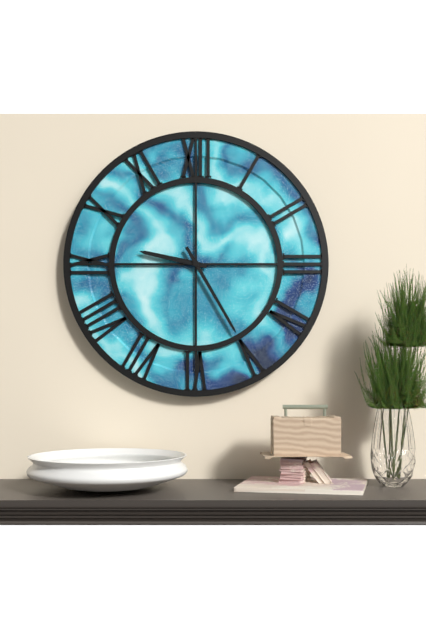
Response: 9:25
